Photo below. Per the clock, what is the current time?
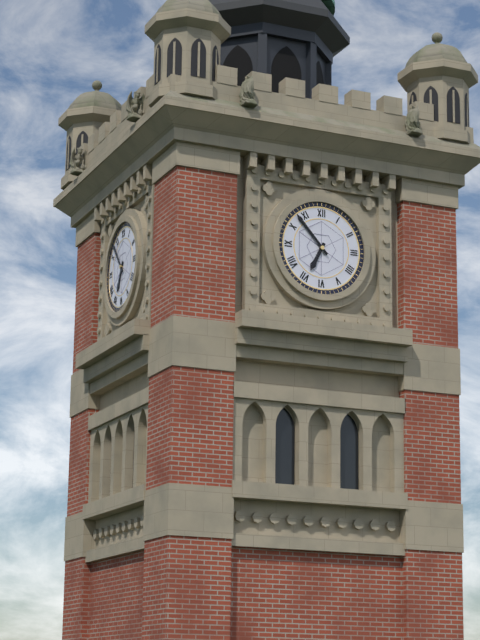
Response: 6:53
